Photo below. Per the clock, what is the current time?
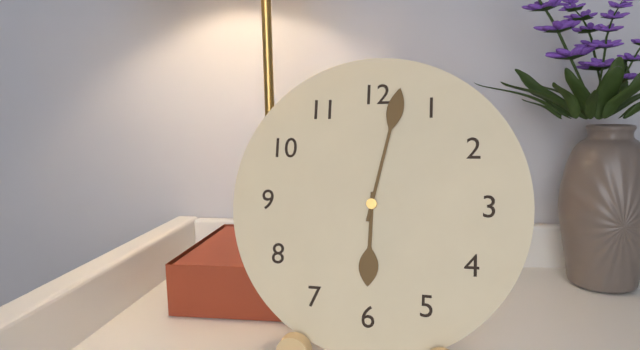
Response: 6:02
